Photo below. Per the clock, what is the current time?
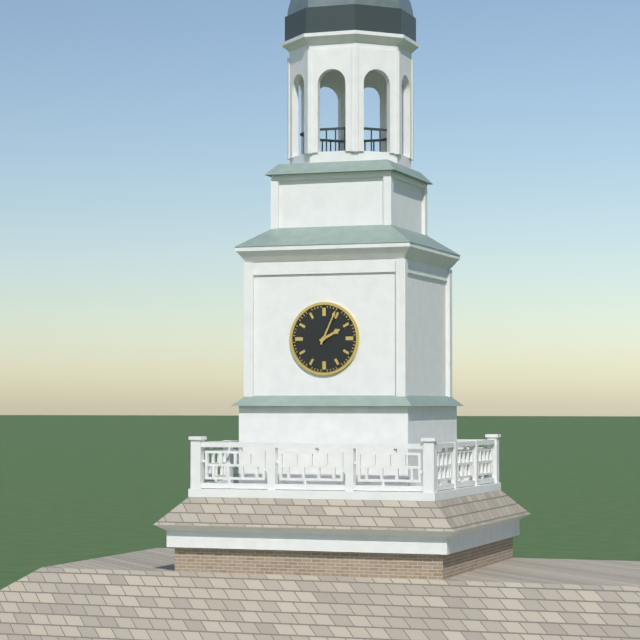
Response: 2:04
